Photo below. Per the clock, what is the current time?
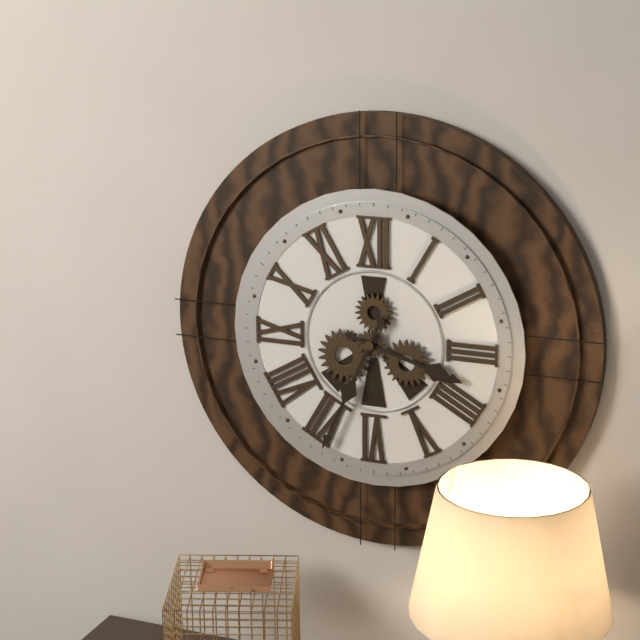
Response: 3:34
